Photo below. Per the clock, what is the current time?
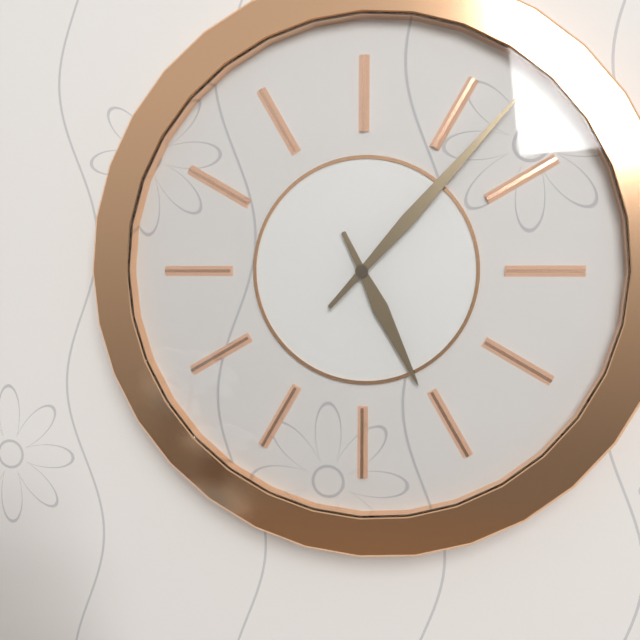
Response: 5:07
